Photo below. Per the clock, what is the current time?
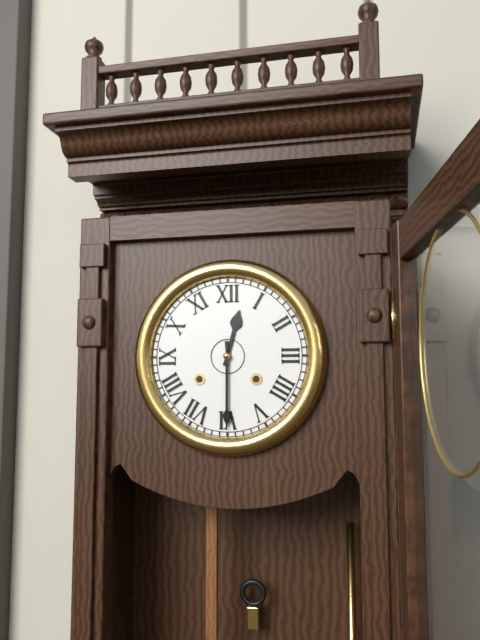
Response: 12:30
